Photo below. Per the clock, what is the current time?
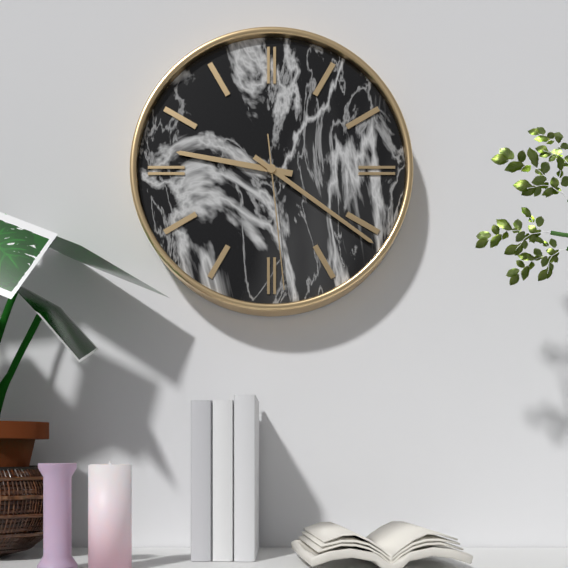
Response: 9:21:29
